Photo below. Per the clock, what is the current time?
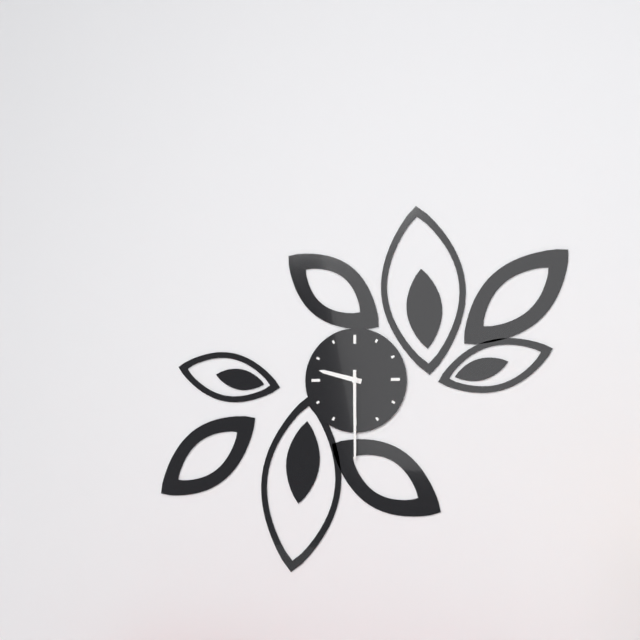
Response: 9:30
